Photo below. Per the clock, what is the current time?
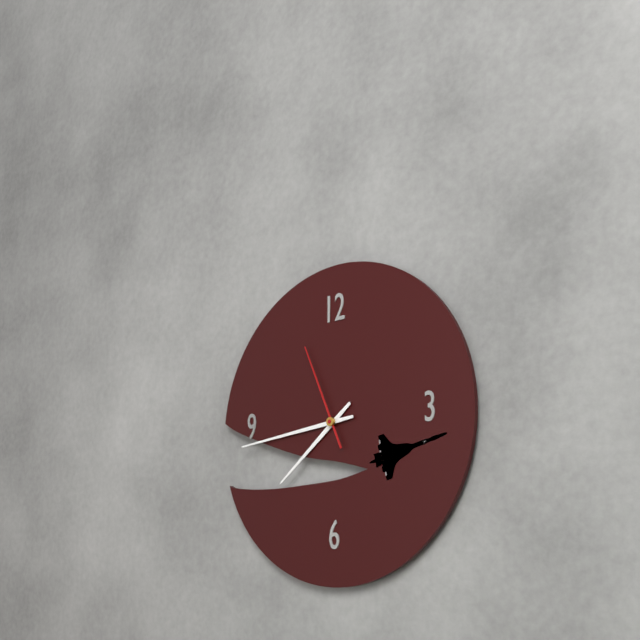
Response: 7:44:56
